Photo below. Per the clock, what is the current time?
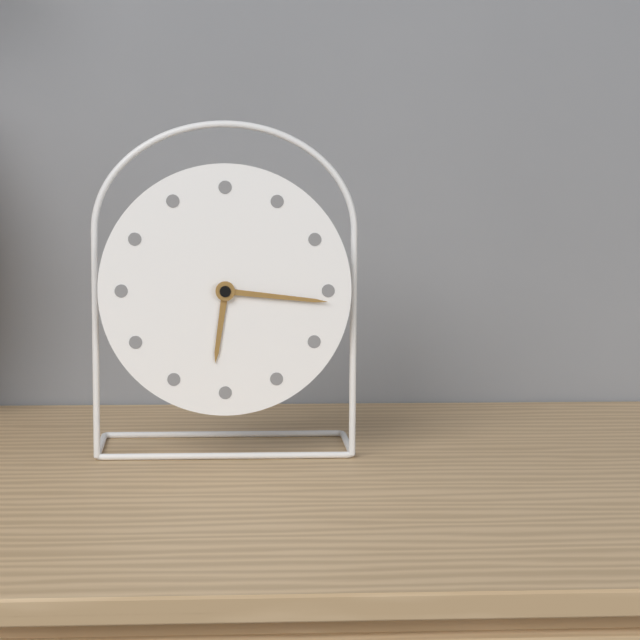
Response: 6:16
